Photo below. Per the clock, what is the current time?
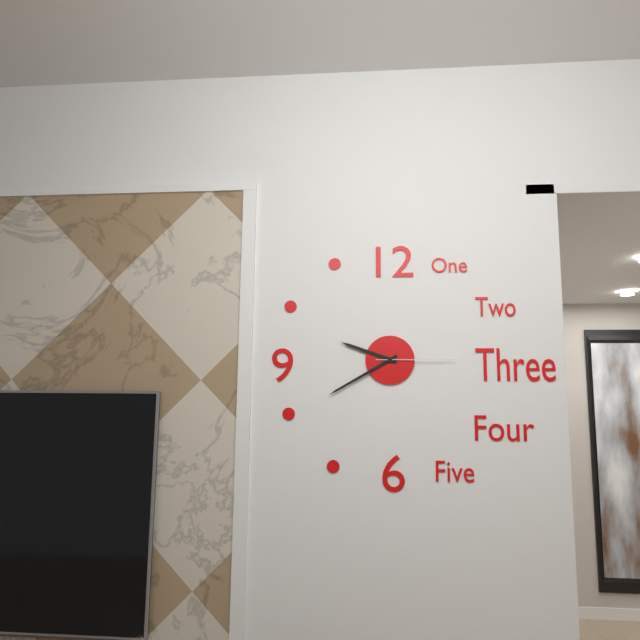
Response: 9:40:15
